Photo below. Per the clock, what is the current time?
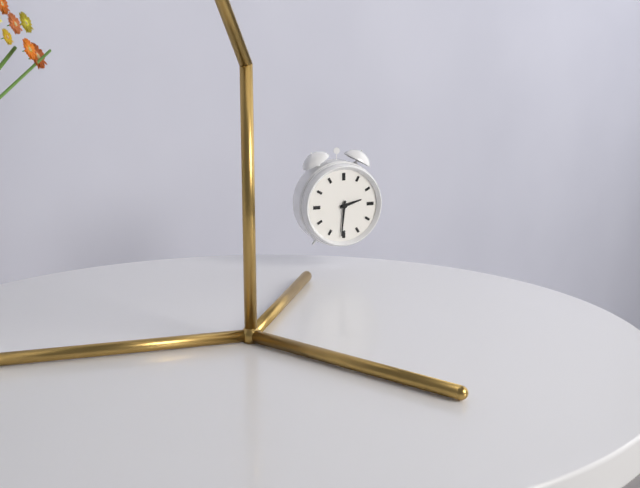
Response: 2:31
